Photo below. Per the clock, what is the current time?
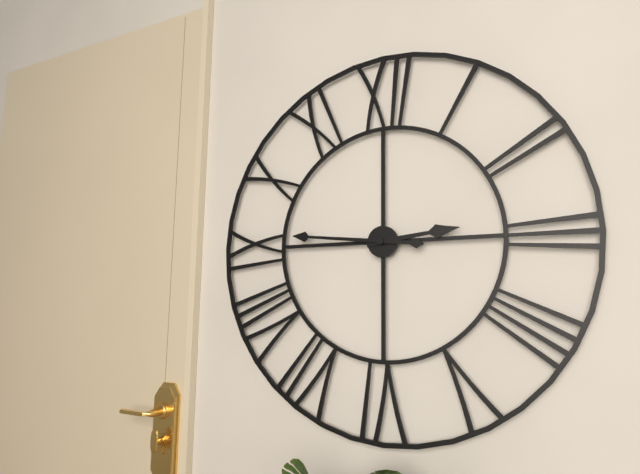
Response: 2:46
